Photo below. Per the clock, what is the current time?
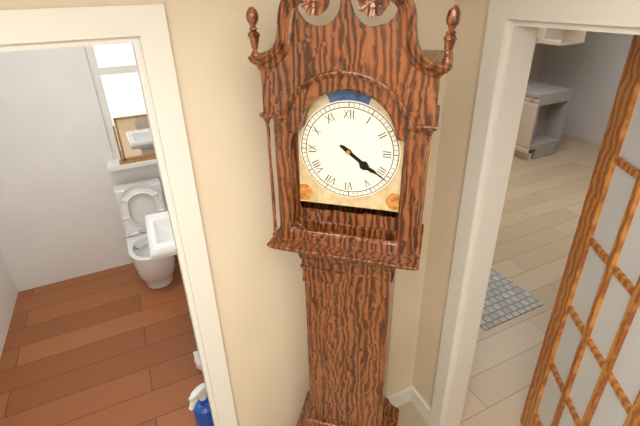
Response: 4:21
